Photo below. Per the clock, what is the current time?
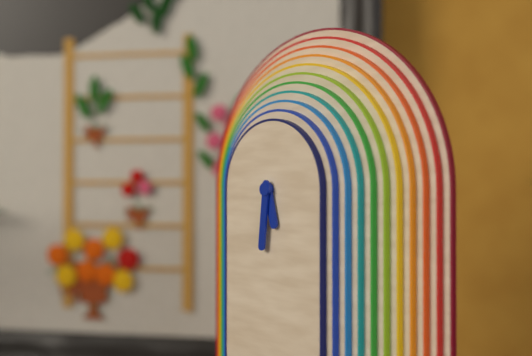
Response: 5:31
